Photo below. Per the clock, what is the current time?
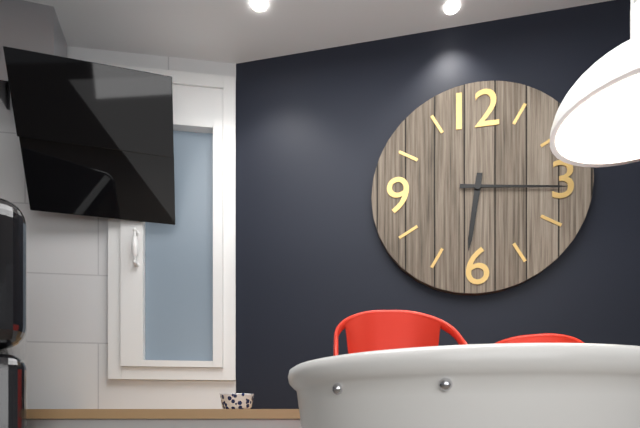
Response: 6:16
